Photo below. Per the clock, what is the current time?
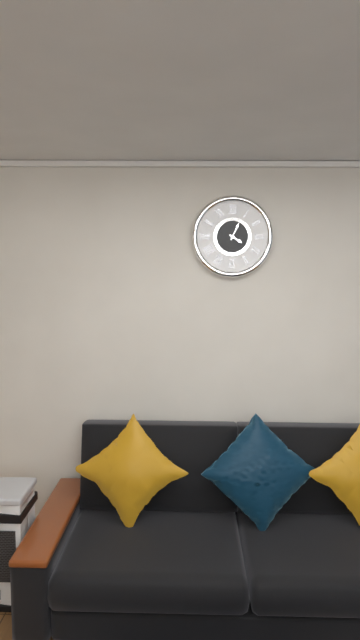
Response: 4:04
